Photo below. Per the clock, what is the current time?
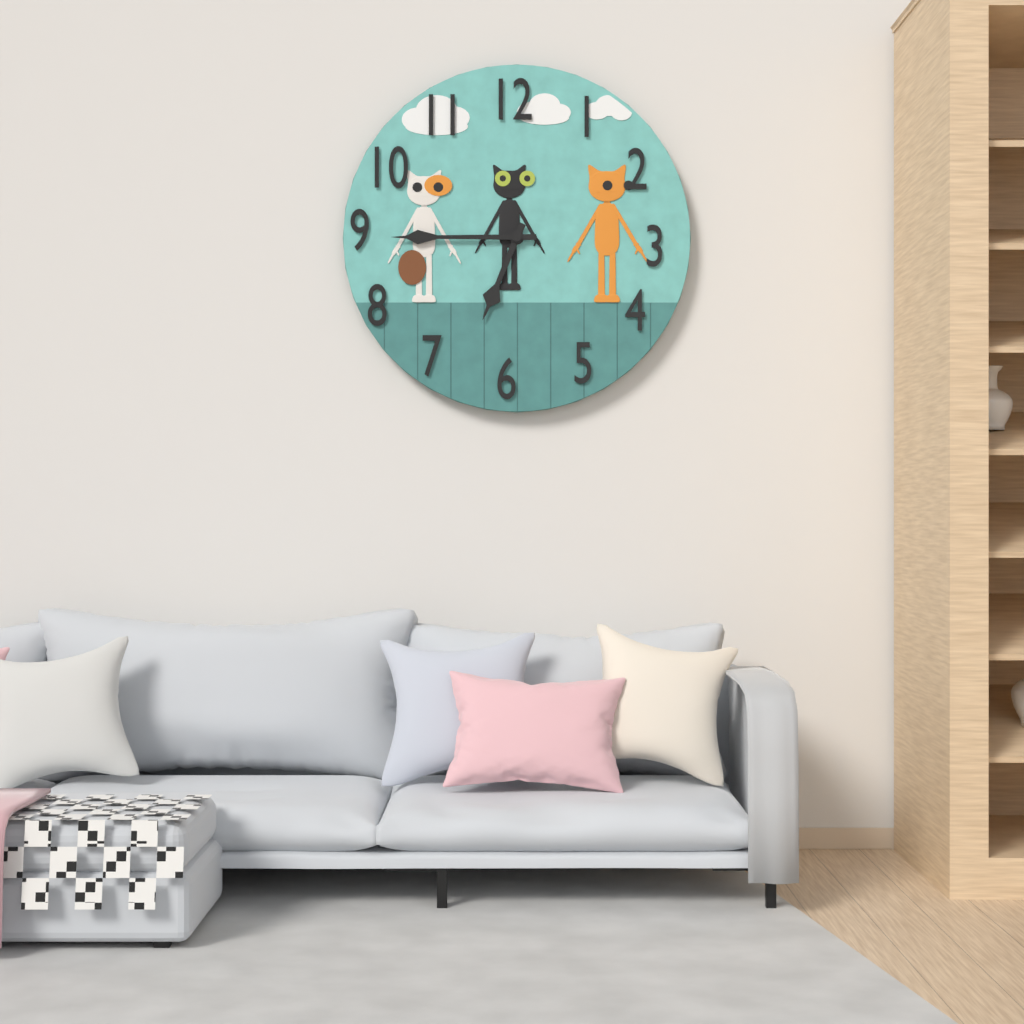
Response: 6:45
